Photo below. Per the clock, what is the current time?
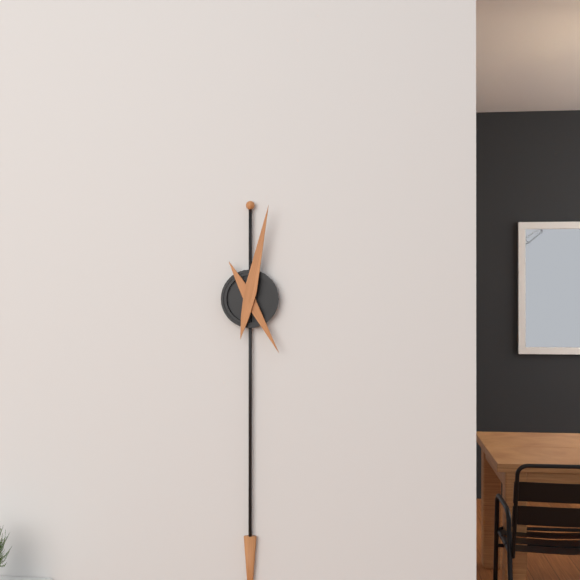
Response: 5:02
